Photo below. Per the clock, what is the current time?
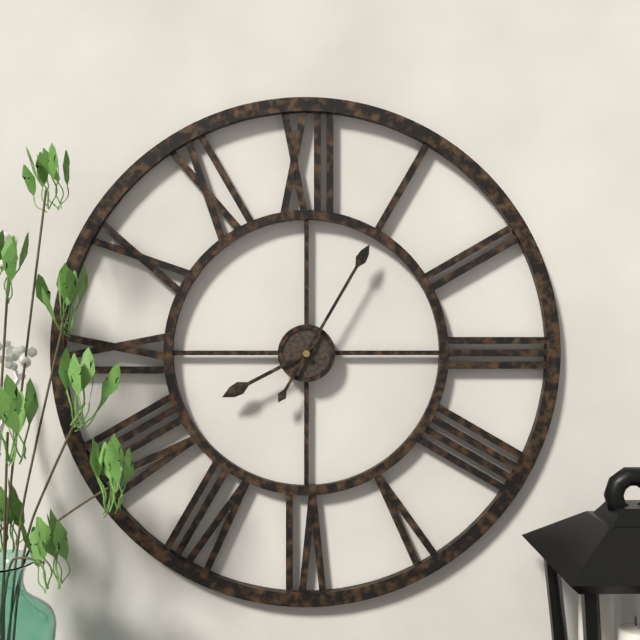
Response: 8:05
